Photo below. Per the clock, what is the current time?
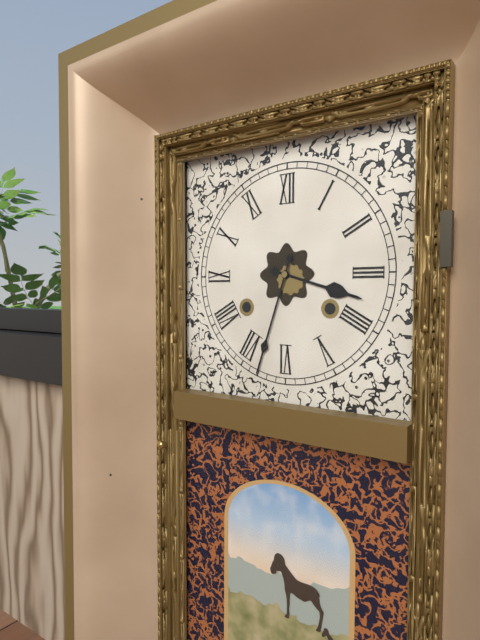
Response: 3:33
